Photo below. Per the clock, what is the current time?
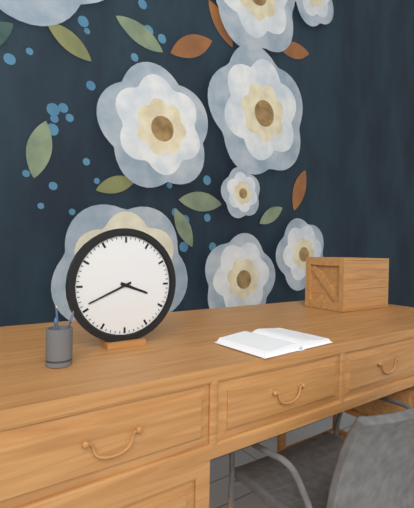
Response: 3:41
